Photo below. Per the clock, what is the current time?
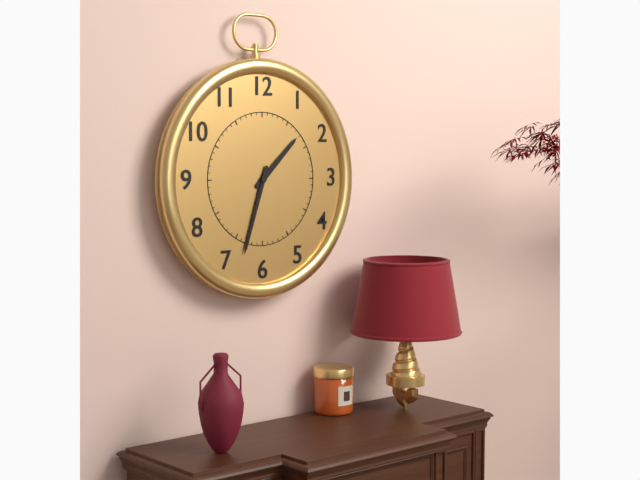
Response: 1:33
